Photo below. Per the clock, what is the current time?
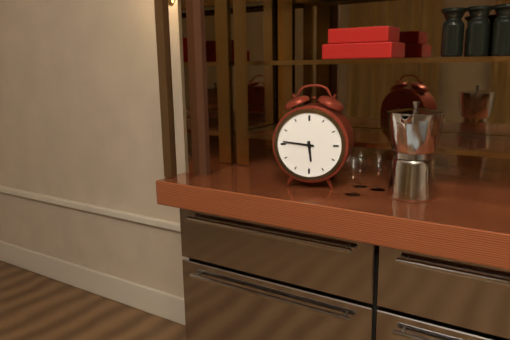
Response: 5:46
